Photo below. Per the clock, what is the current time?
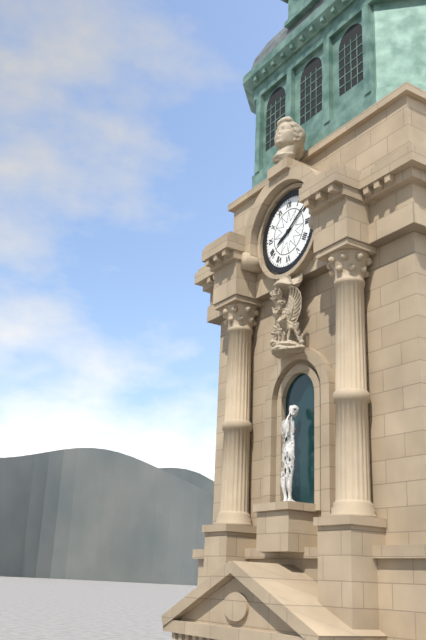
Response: 8:09
